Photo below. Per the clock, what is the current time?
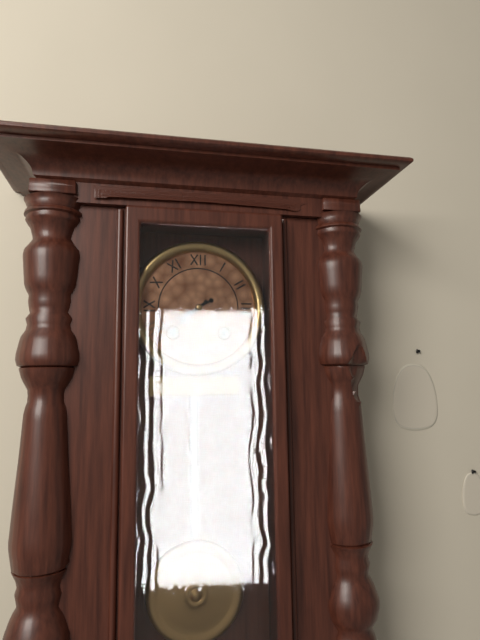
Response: 7:40
